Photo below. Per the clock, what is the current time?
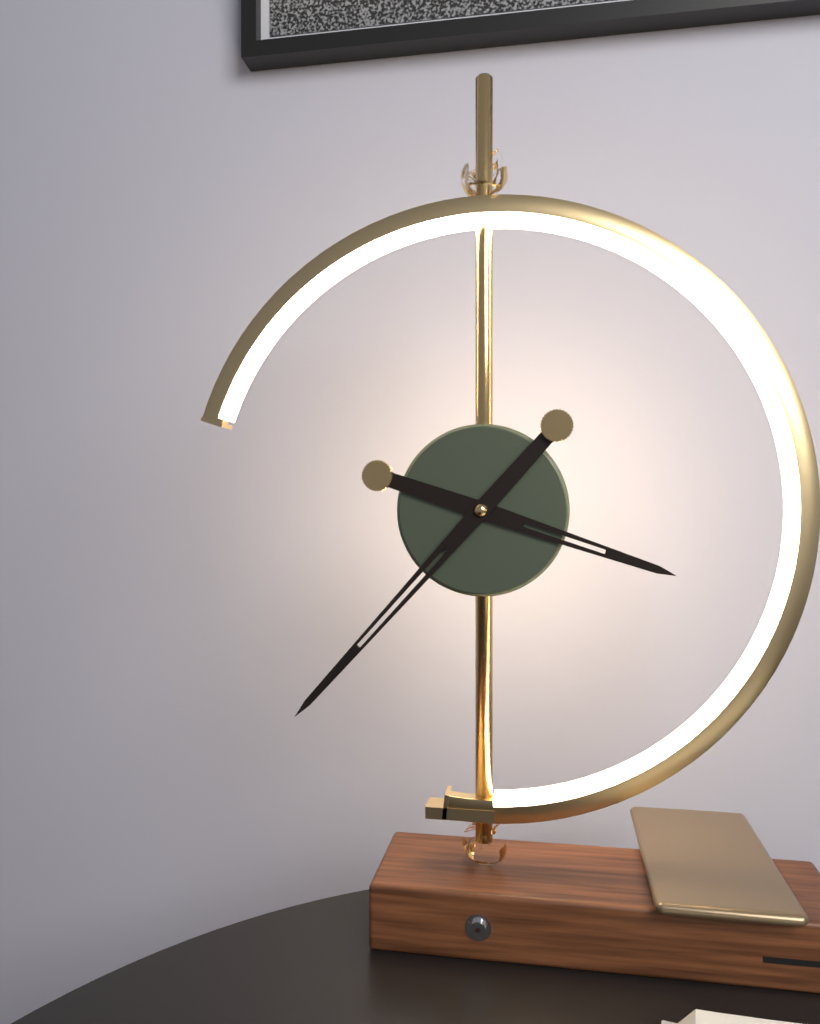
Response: 3:37
